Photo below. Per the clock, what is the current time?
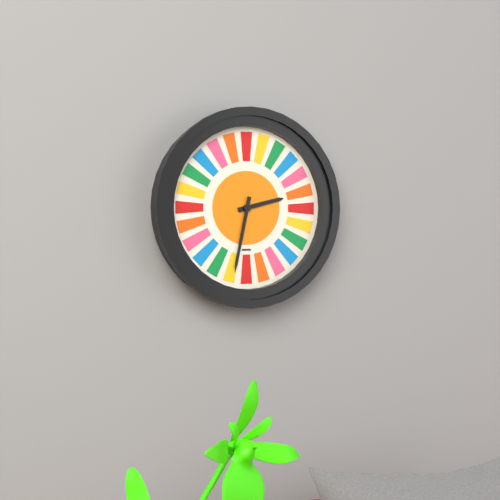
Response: 2:32
